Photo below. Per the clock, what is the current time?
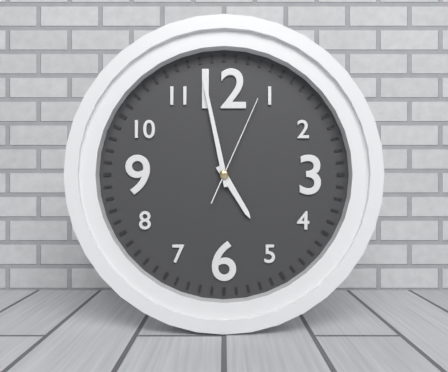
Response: 4:58:04
